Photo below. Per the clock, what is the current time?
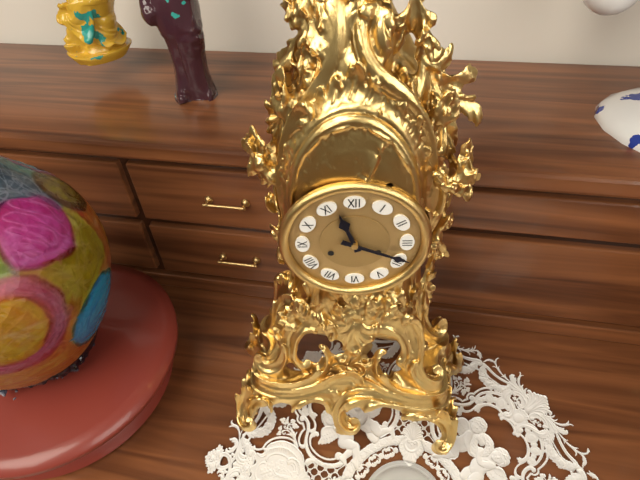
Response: 11:19
